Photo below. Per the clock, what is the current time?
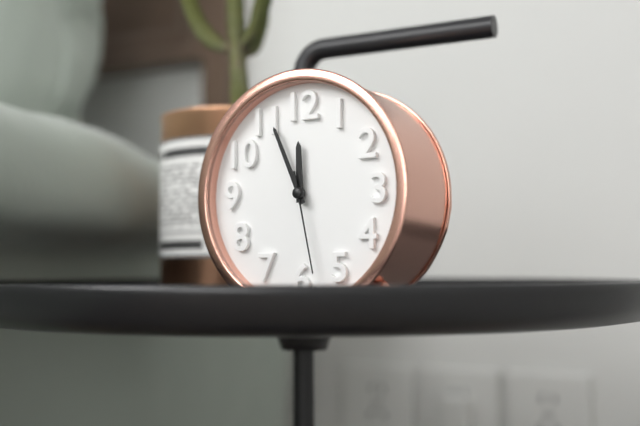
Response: 11:56:28
